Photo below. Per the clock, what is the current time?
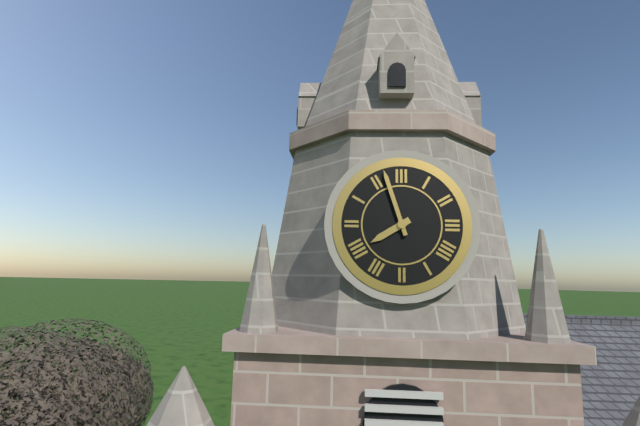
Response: 7:57
